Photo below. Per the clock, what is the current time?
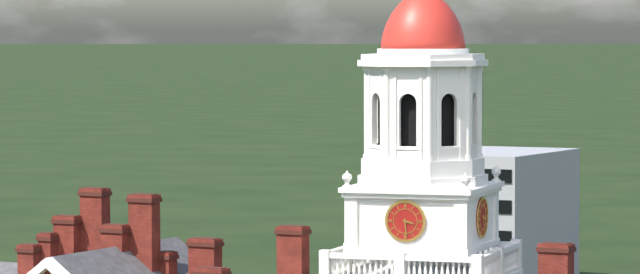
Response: 3:29
